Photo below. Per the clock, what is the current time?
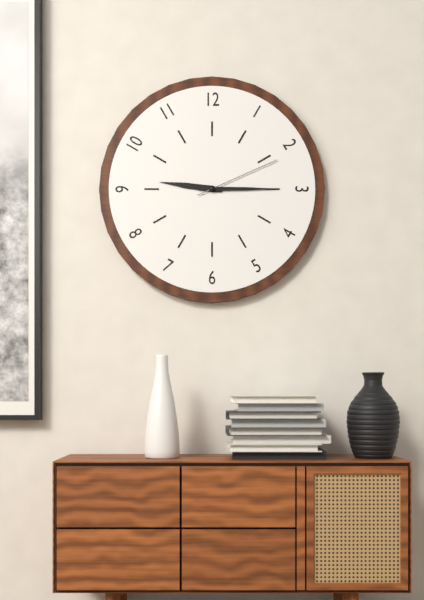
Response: 9:15:11
